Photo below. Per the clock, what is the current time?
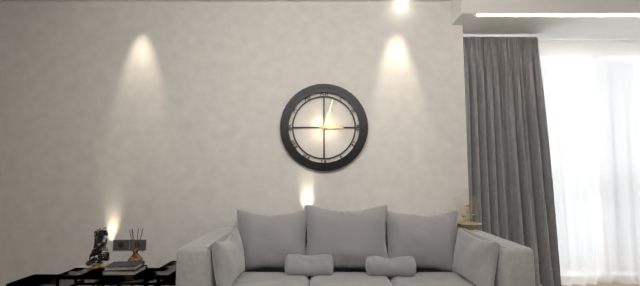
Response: 3:03
